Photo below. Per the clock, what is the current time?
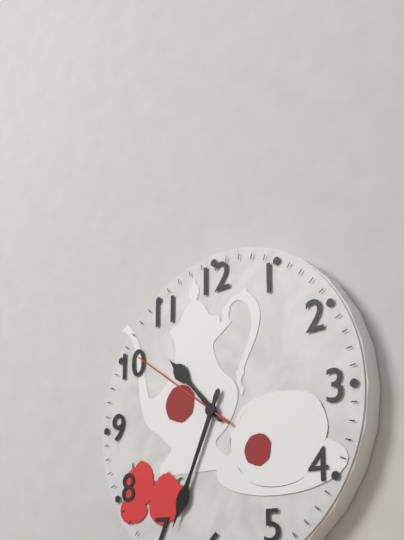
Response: 10:34:51
